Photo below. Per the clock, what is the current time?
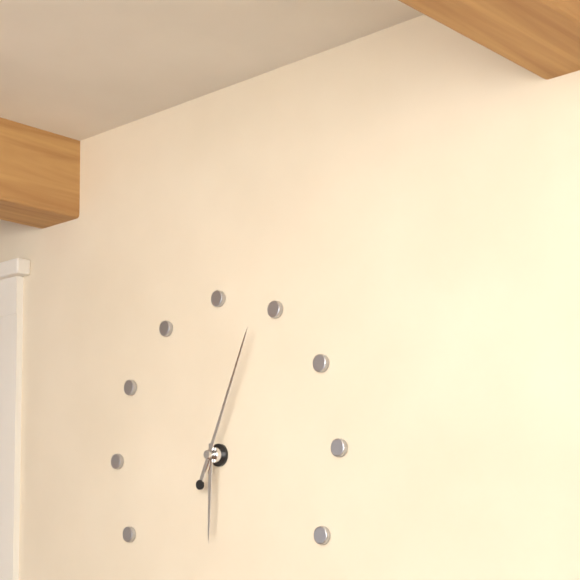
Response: 6:04
